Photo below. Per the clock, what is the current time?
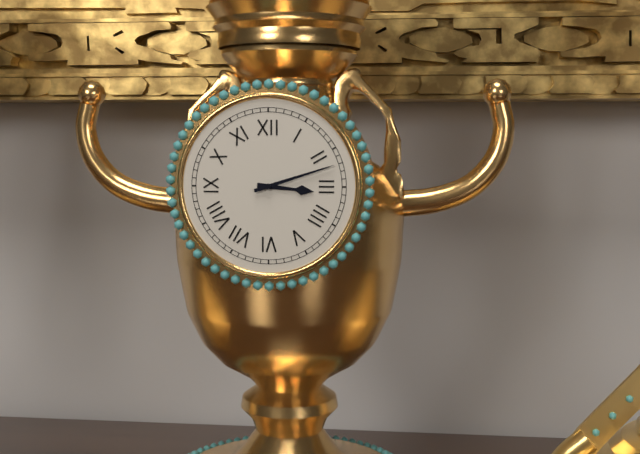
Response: 3:12
